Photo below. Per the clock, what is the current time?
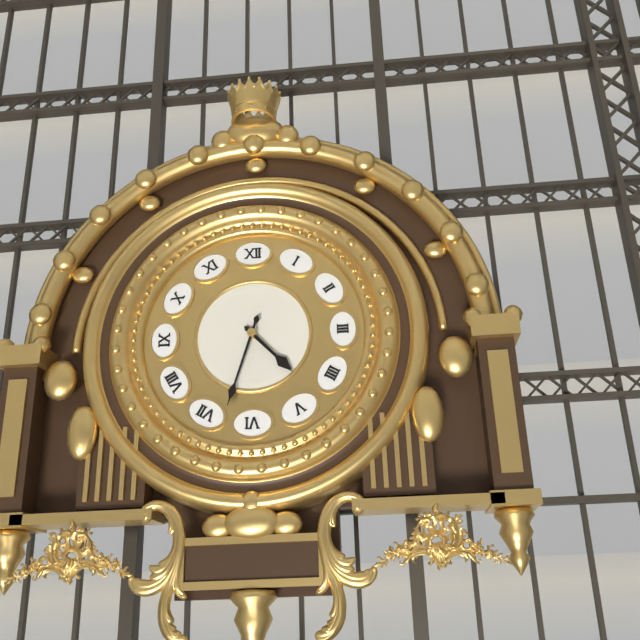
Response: 4:33
